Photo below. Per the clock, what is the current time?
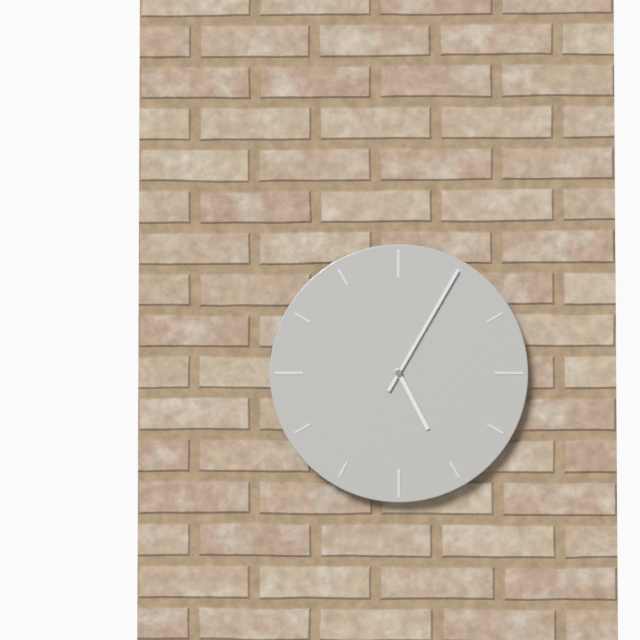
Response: 5:05
